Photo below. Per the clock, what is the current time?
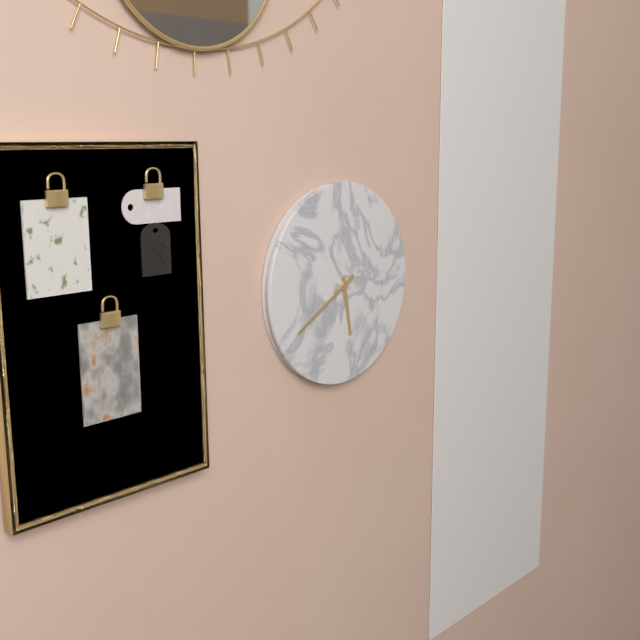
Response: 5:40
